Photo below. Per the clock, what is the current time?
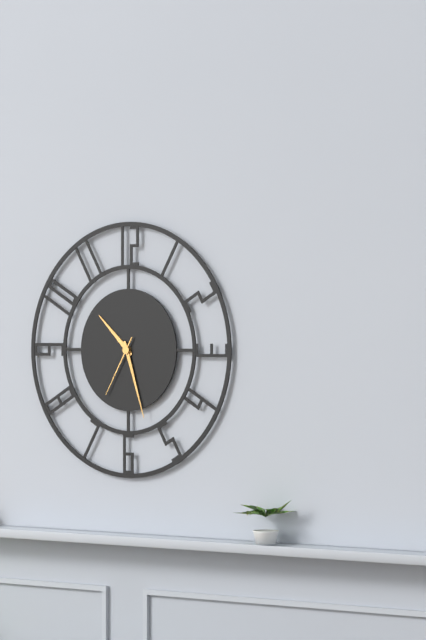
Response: 10:27:35
